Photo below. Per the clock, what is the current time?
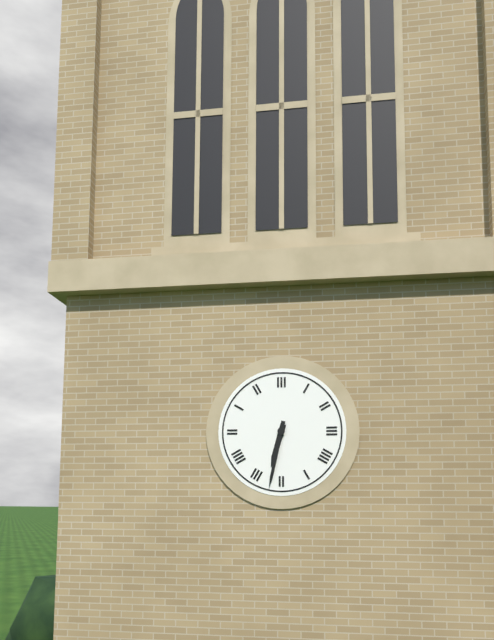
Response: 6:32
